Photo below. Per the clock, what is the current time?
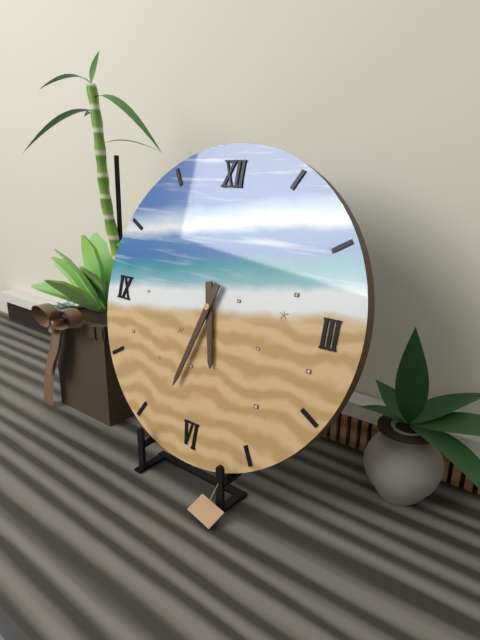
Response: 5:33
